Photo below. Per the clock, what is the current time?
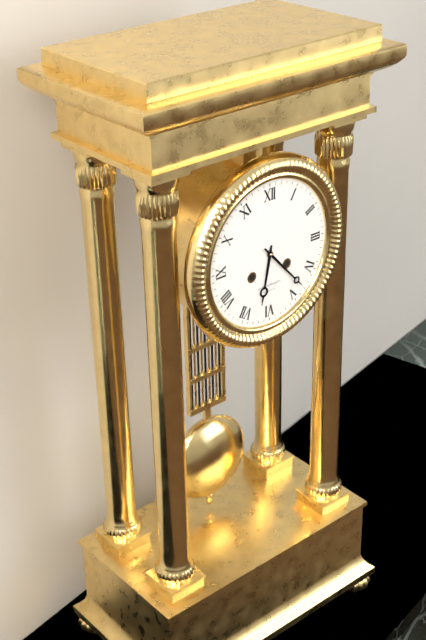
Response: 6:23
